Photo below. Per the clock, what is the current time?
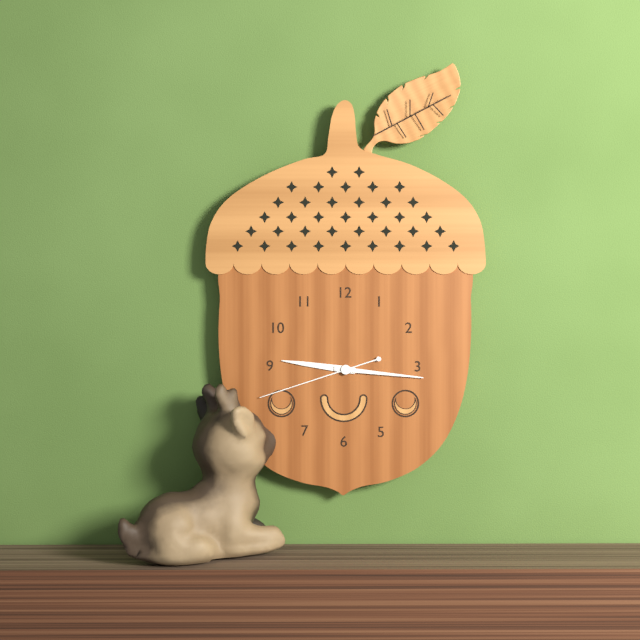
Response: 9:16:42
